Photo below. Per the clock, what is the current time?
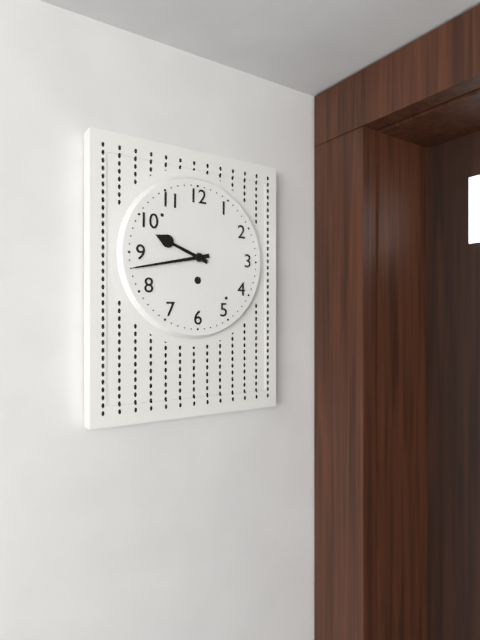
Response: 9:43
